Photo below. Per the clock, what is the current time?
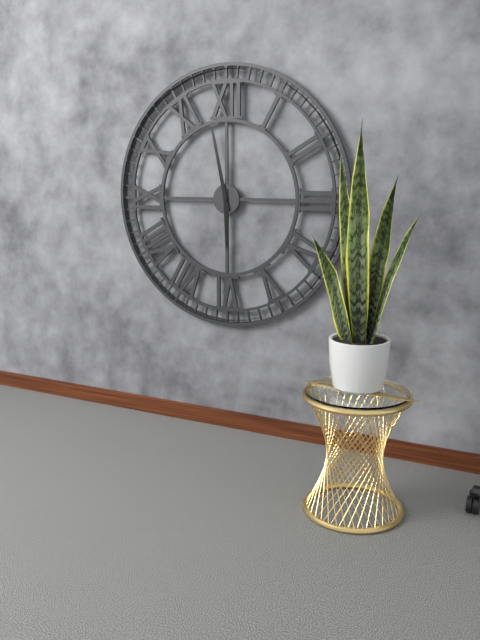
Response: 5:58
